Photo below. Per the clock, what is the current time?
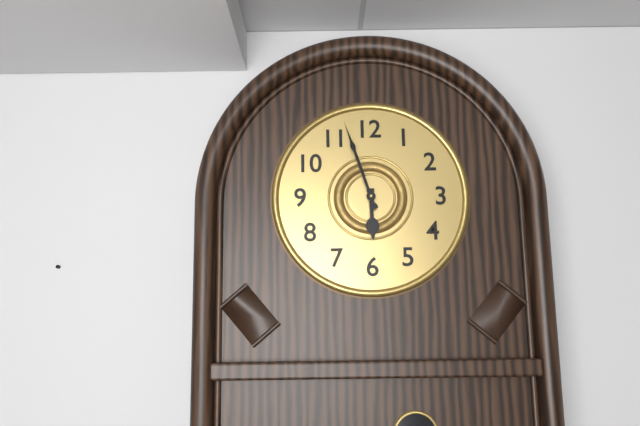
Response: 5:57
